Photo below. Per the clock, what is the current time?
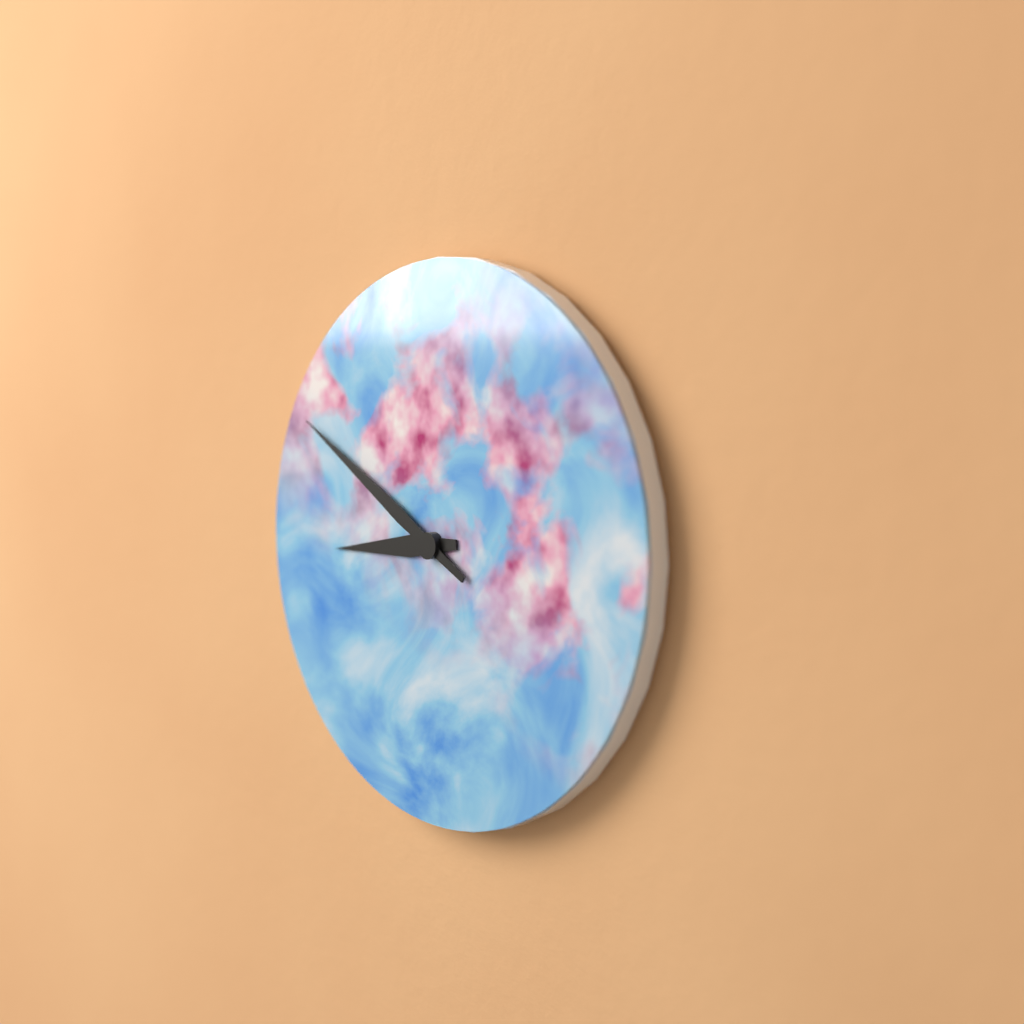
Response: 8:50
